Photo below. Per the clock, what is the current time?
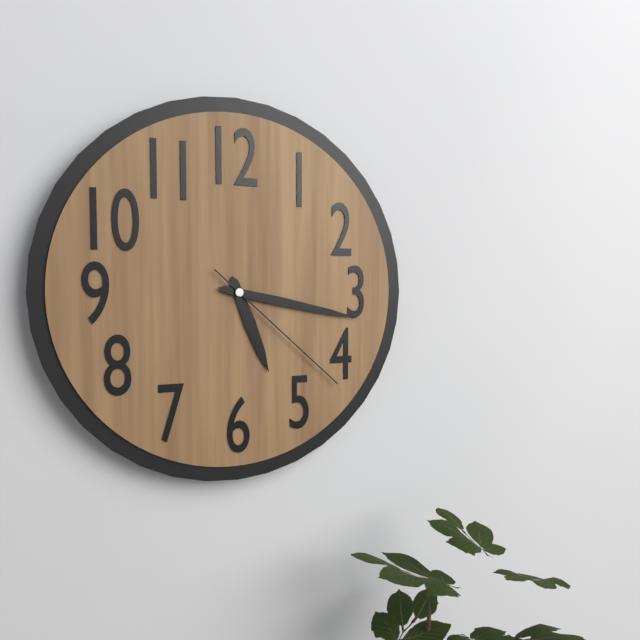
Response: 5:17:22
